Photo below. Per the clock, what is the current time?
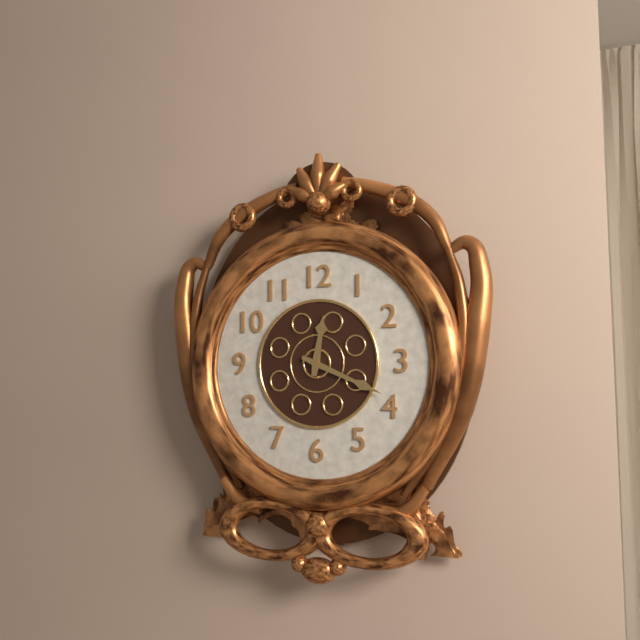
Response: 12:19
